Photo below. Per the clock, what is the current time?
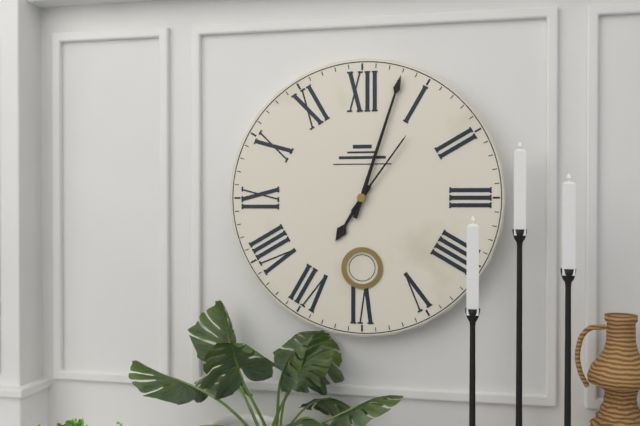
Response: 7:03:06
